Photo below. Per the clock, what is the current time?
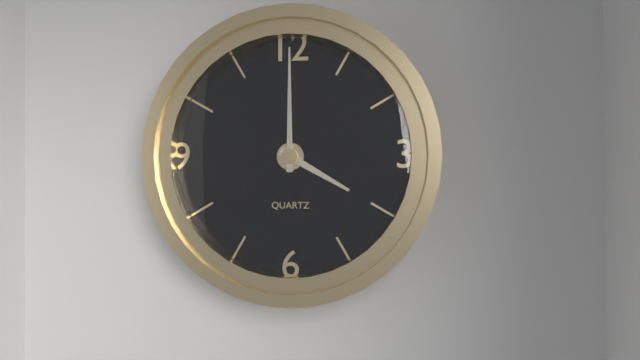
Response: 4:00
